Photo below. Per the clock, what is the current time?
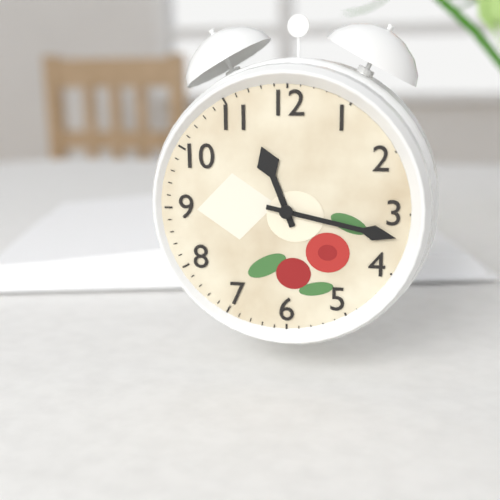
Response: 11:17
